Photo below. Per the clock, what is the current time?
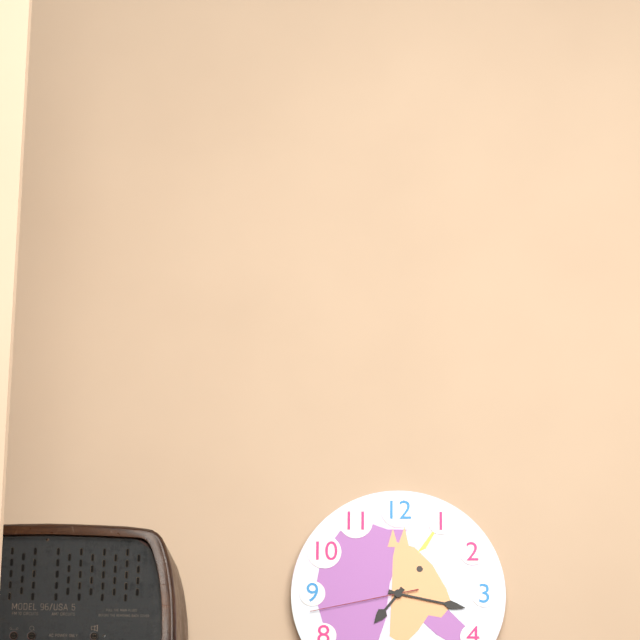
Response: 7:17:43
